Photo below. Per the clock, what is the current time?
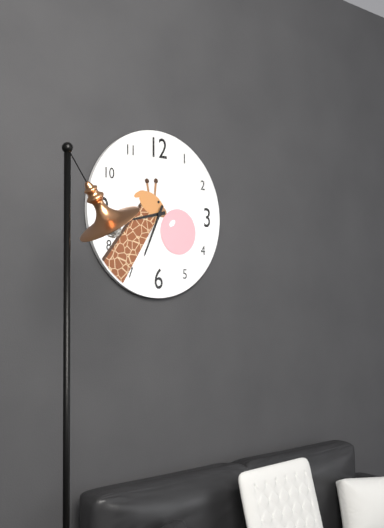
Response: 8:34
